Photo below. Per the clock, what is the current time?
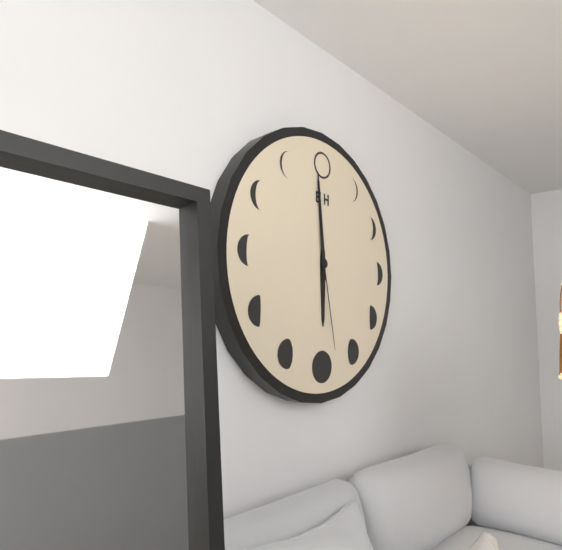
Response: 5:59:28
